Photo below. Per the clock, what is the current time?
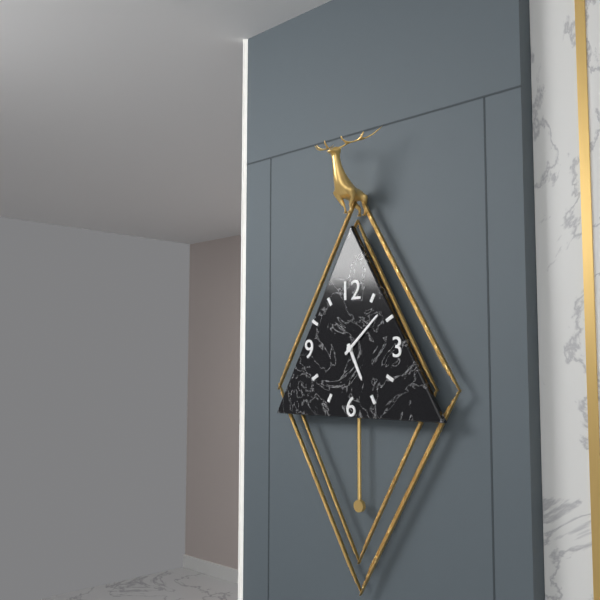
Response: 5:08
